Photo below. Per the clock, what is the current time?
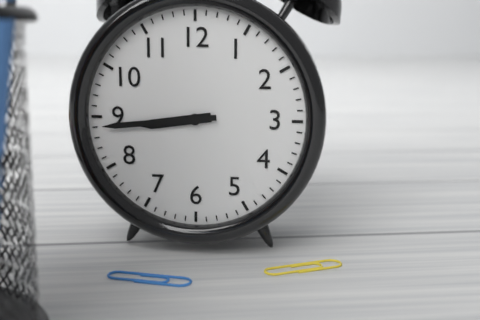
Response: 8:44
